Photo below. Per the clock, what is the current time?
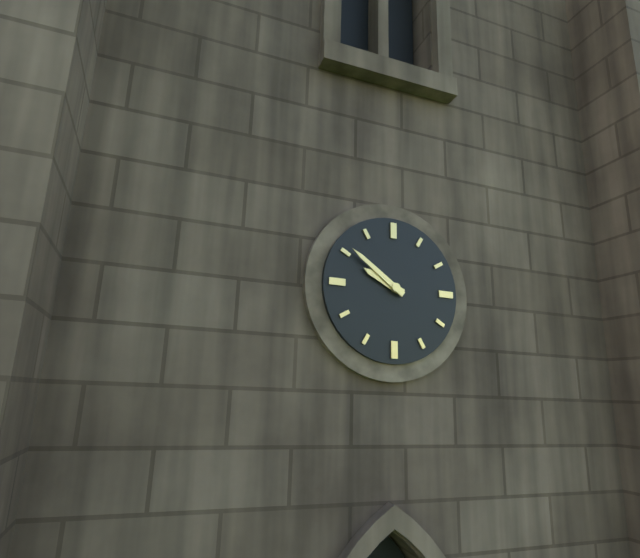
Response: 9:51
